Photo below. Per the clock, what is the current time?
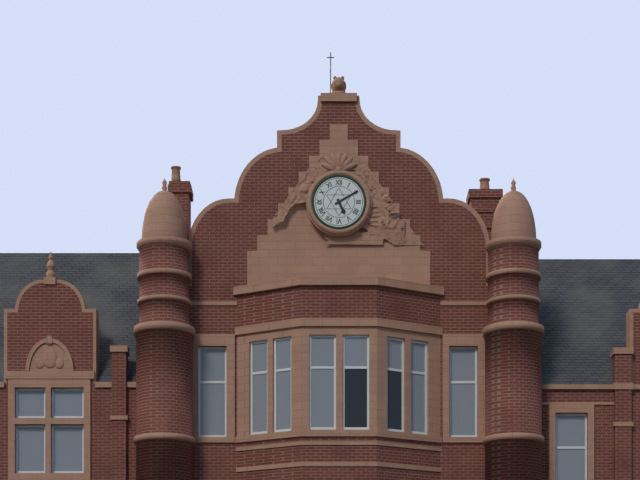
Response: 5:10
